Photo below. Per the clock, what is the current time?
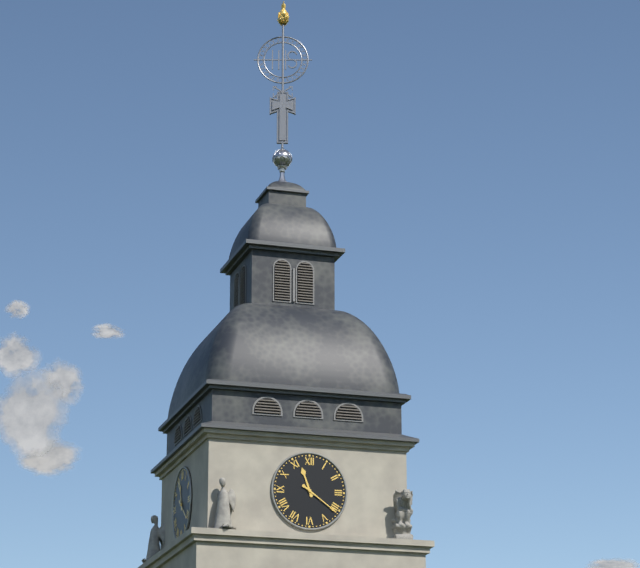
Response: 11:21
